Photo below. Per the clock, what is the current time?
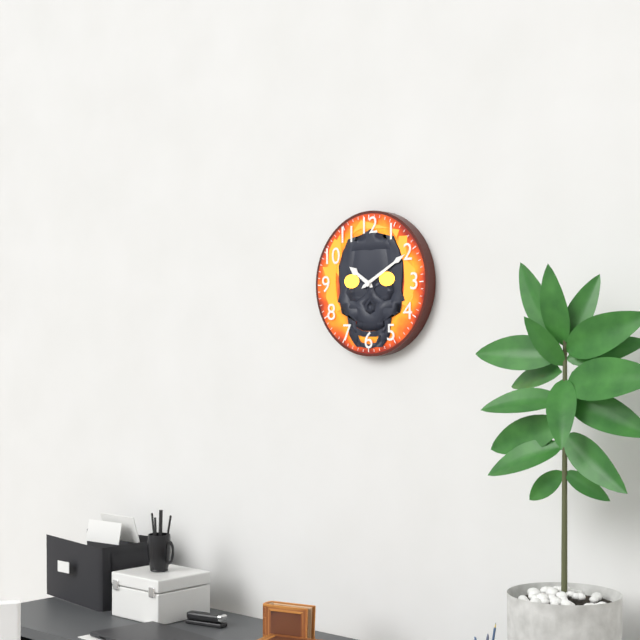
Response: 10:10
